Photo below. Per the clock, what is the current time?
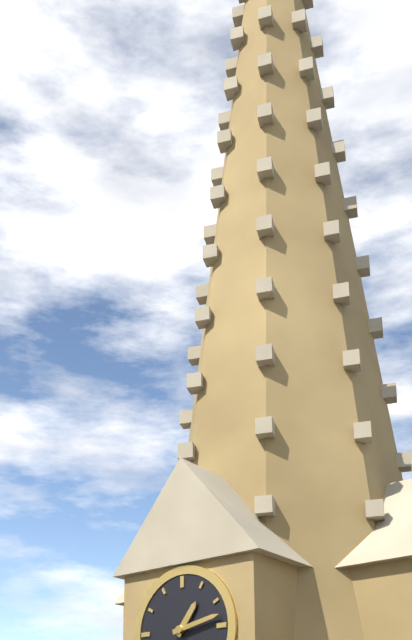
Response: 1:13
